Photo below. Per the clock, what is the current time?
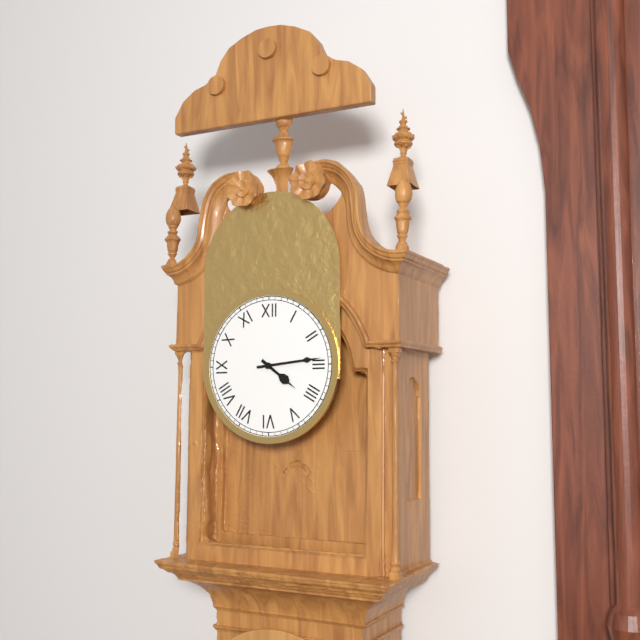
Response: 4:14
